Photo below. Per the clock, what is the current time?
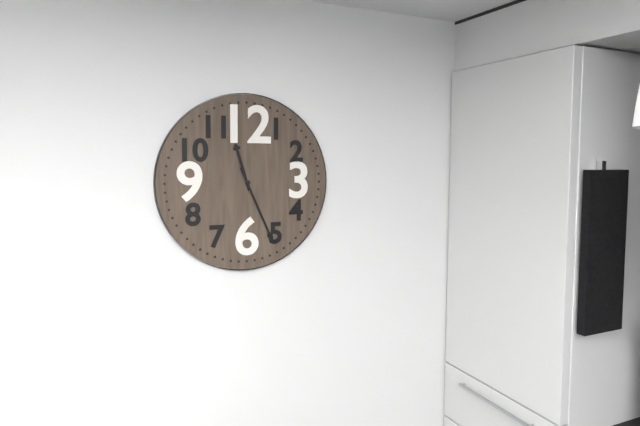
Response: 11:26
